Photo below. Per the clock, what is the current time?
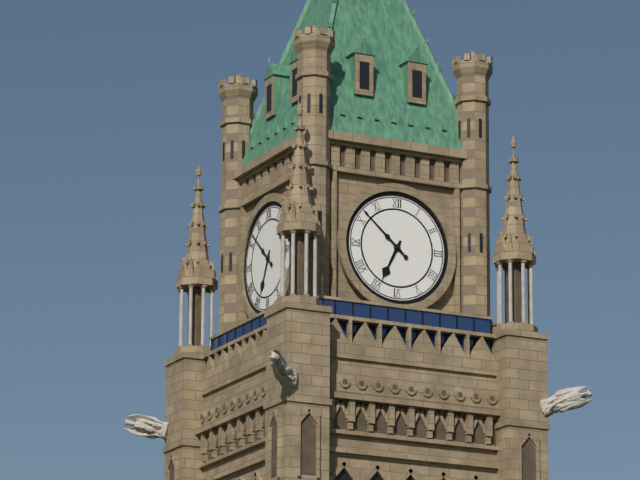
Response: 6:52
